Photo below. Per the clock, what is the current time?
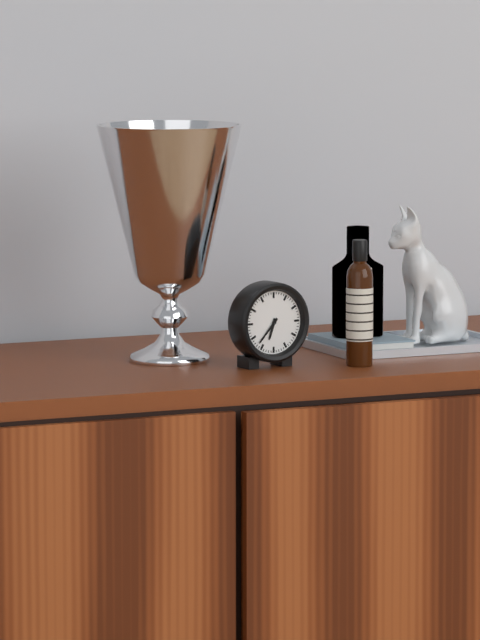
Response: 6:37
